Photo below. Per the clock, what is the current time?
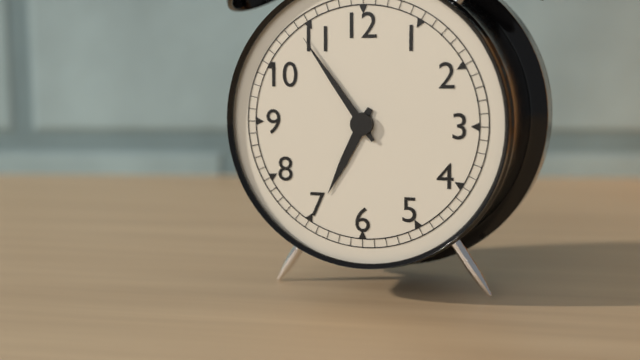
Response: 6:54
